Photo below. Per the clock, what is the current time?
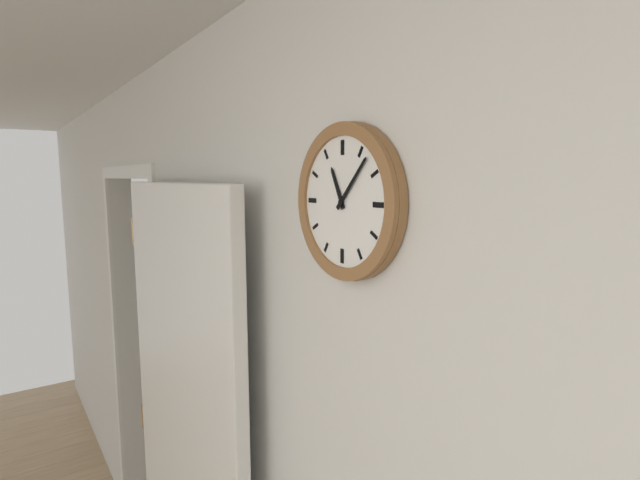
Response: 11:07
